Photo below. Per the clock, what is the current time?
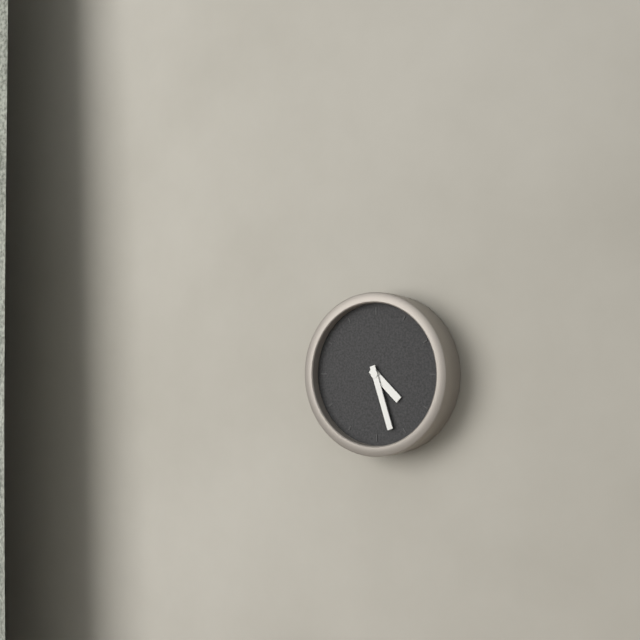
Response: 4:27
